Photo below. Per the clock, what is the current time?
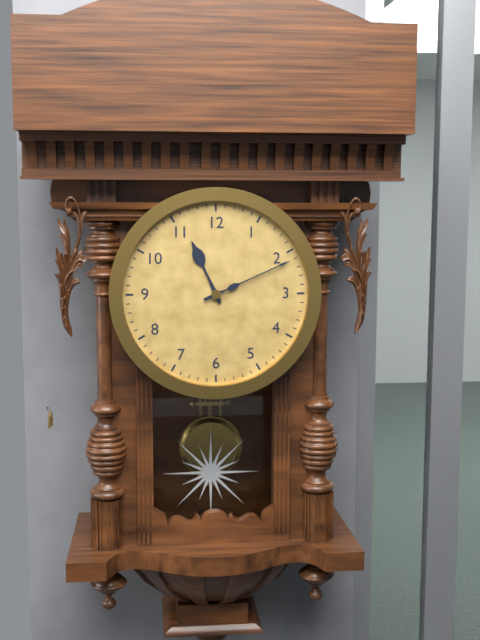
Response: 11:11
